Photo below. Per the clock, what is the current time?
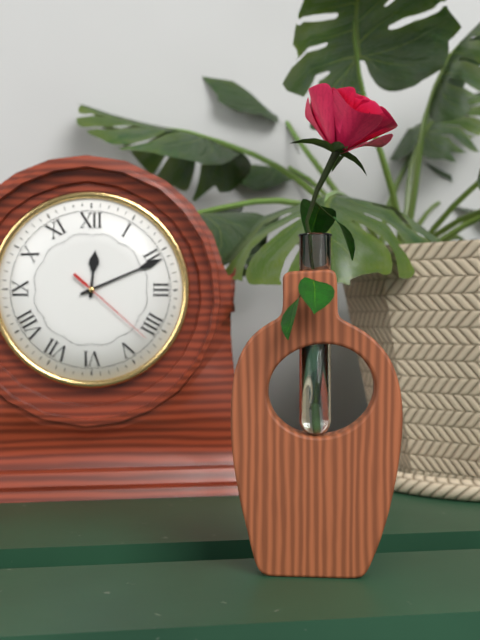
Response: 12:11:22
